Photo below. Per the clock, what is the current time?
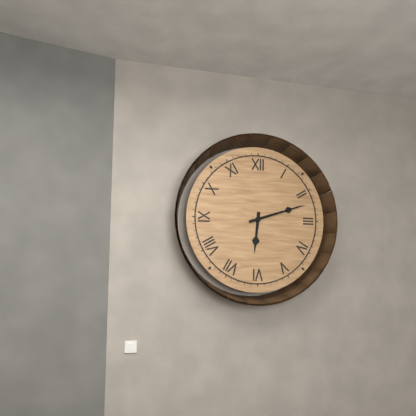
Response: 6:12
